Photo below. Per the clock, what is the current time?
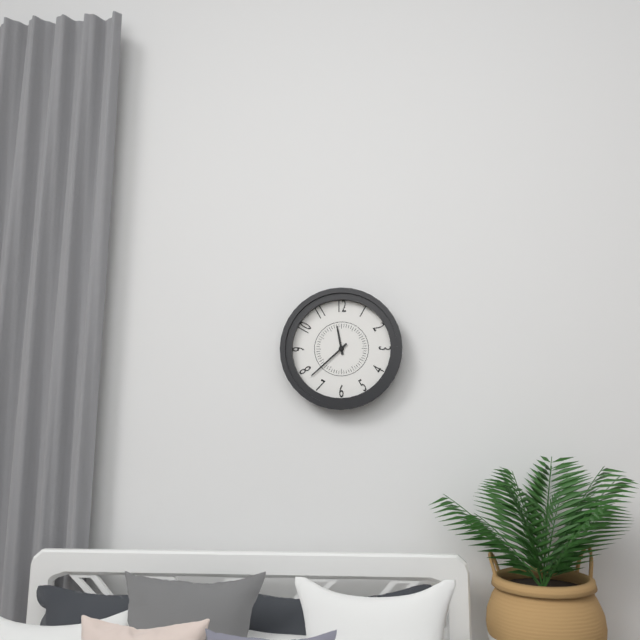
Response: 11:38
